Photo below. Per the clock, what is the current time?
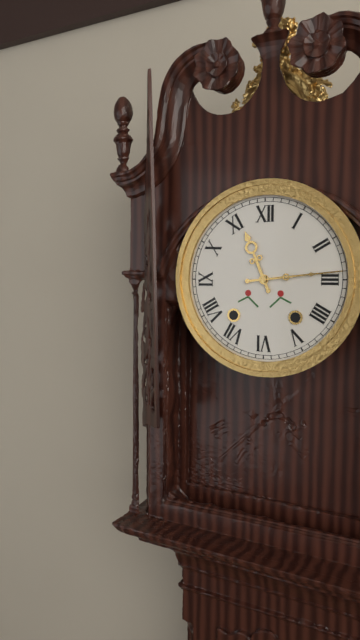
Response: 11:14
